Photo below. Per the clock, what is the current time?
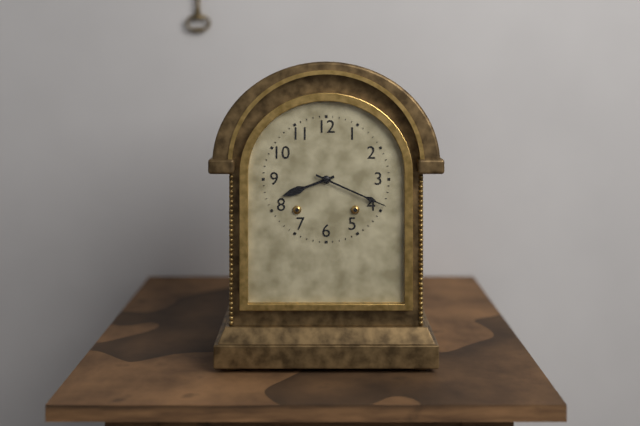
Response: 8:19
